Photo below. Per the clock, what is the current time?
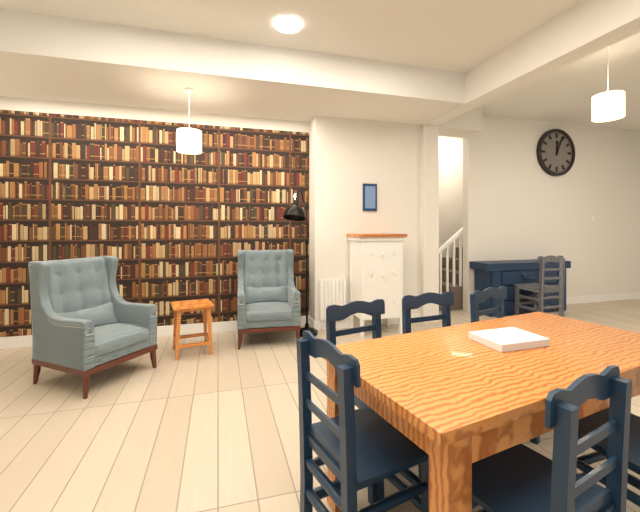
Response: 12:04
